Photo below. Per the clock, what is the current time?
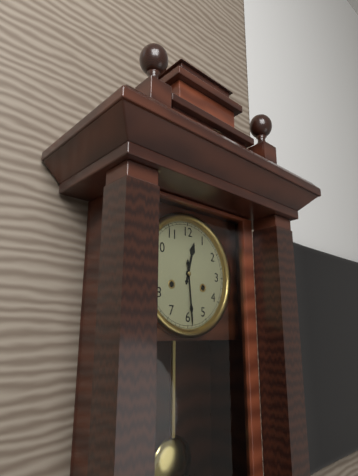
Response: 12:29
